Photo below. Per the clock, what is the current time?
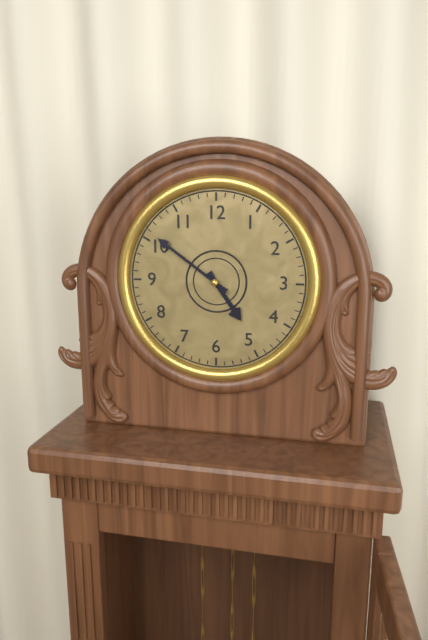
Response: 4:51
